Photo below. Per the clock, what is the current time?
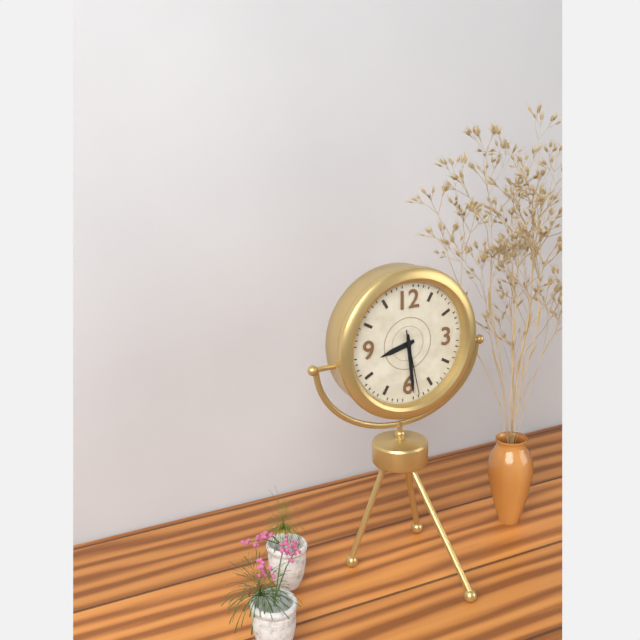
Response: 8:29:28
